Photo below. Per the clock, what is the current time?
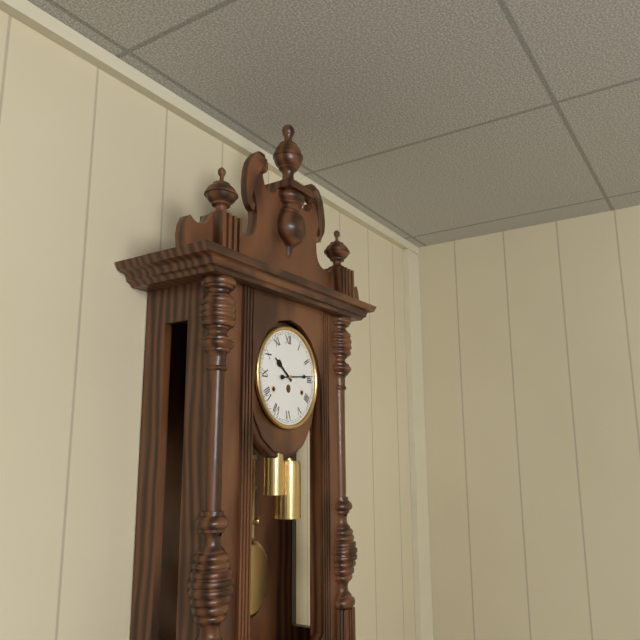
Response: 10:14
